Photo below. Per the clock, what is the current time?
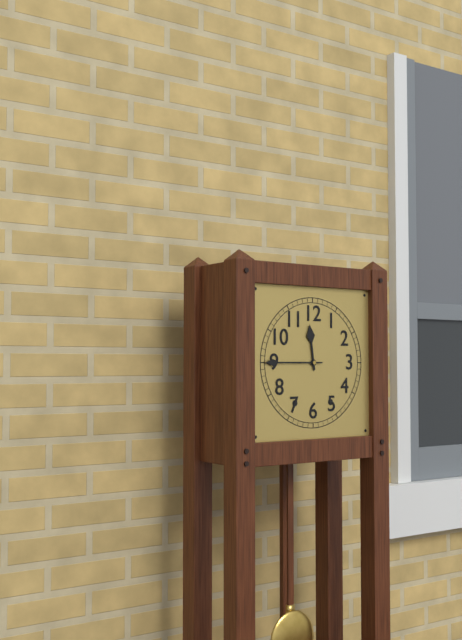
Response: 11:45
